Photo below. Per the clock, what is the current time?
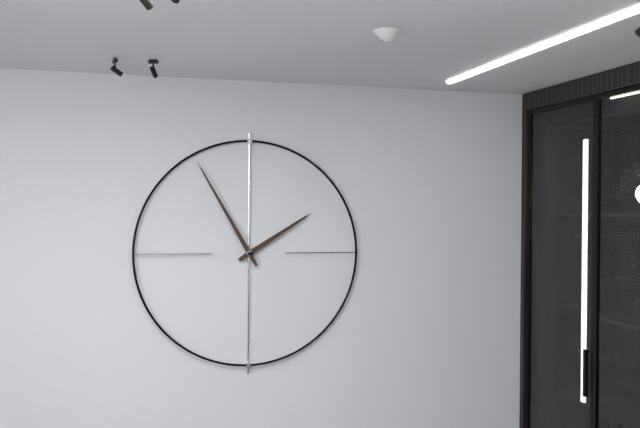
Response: 1:55
